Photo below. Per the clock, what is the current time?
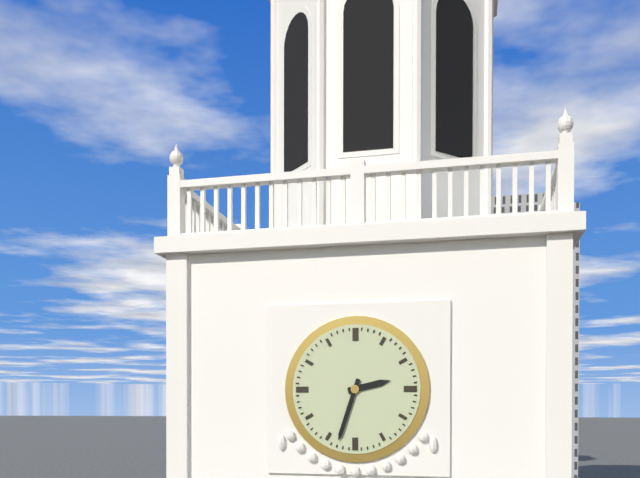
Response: 2:33
